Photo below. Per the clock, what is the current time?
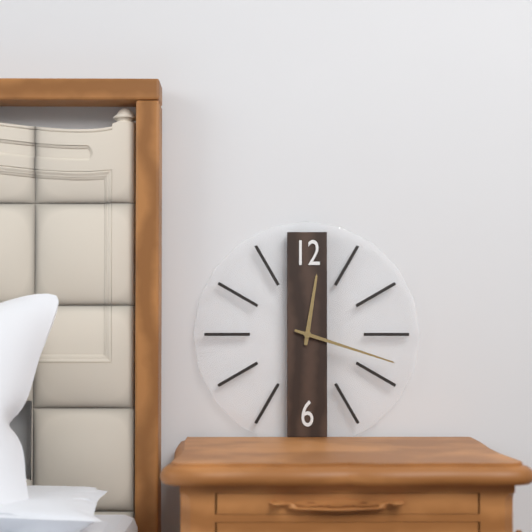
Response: 12:18
